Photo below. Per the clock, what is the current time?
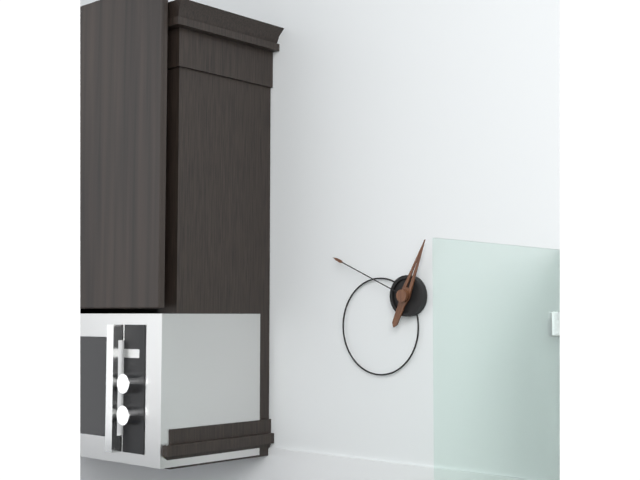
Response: 12:49
